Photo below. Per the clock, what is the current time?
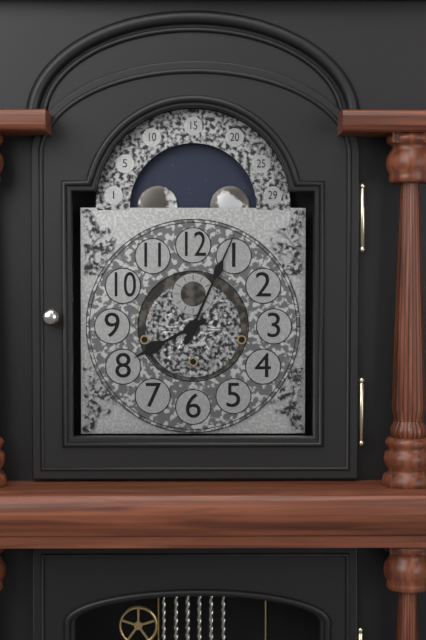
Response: 8:04
